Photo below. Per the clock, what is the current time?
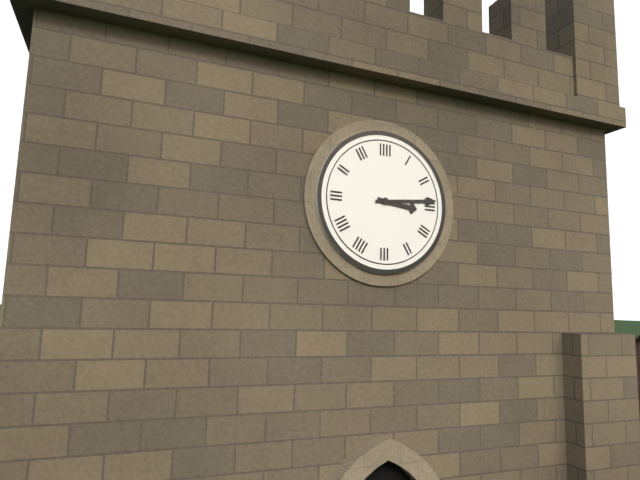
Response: 3:14
